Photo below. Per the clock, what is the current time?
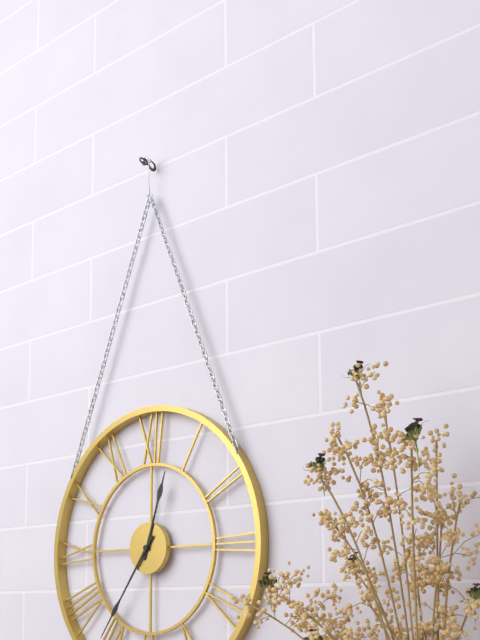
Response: 12:36
